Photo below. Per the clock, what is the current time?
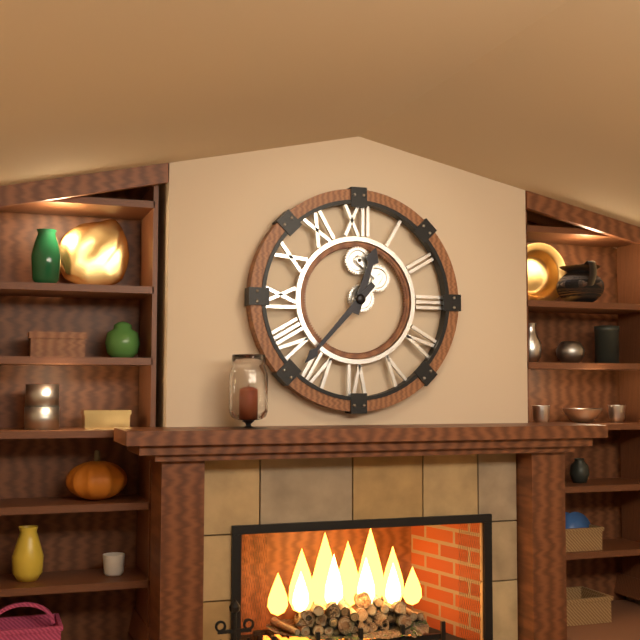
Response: 12:37
